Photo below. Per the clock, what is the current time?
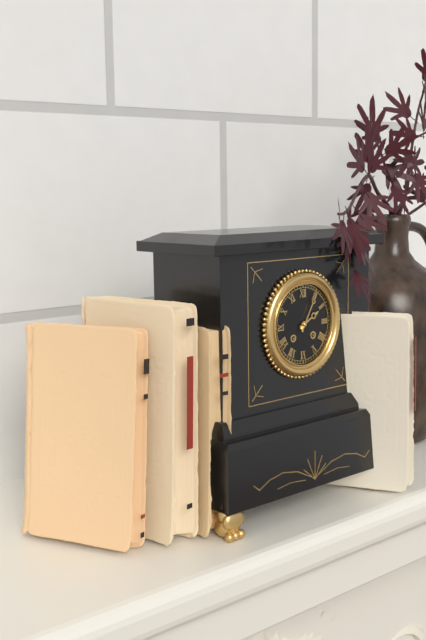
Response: 2:05
